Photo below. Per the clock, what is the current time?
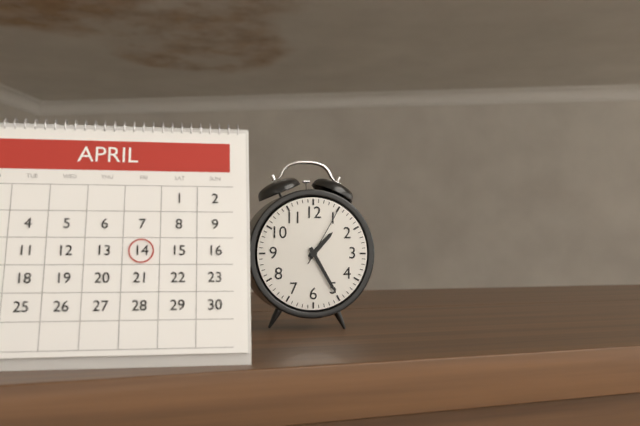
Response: 1:25:05
